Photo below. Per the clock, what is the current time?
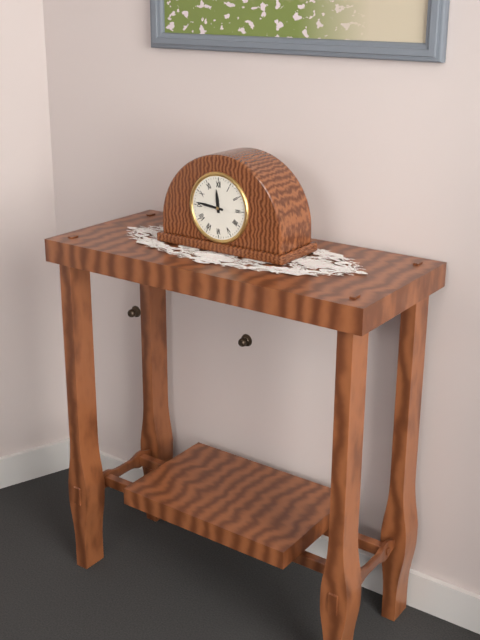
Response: 11:46
